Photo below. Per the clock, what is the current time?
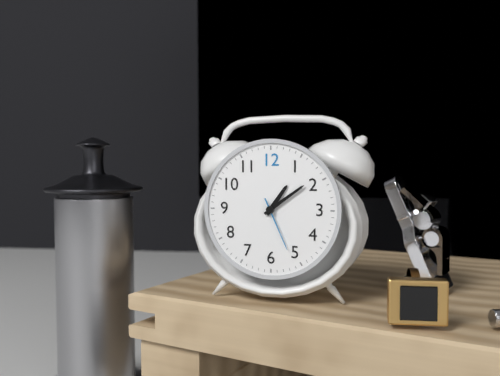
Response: 1:09:26
